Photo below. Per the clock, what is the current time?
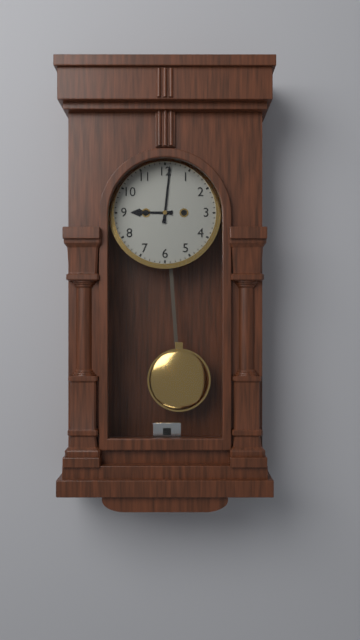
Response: 9:01
